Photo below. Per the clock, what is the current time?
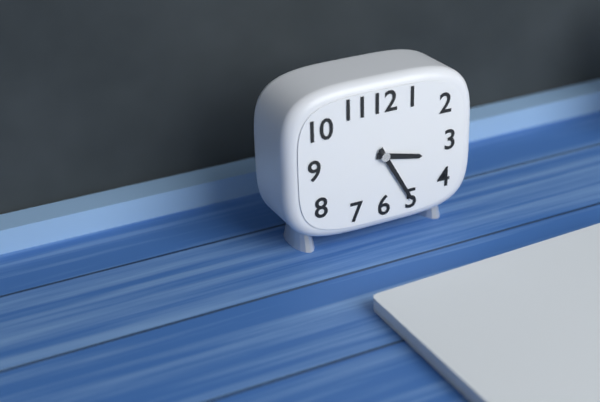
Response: 3:25
